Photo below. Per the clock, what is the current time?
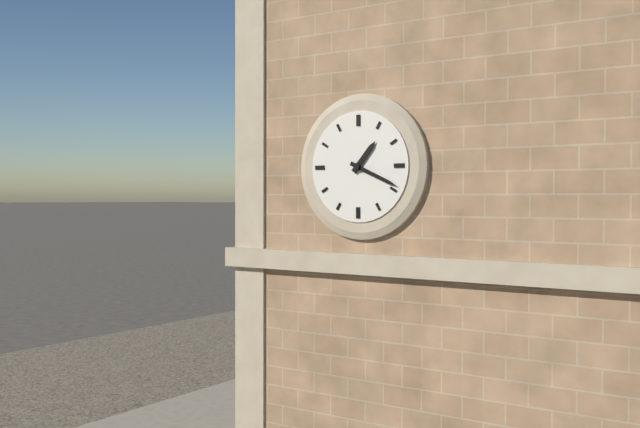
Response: 1:19
